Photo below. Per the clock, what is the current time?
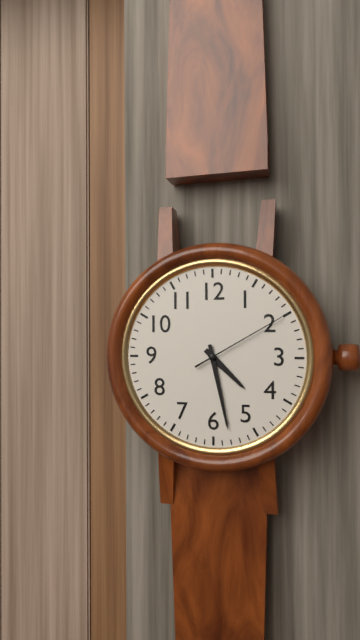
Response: 4:28:10
